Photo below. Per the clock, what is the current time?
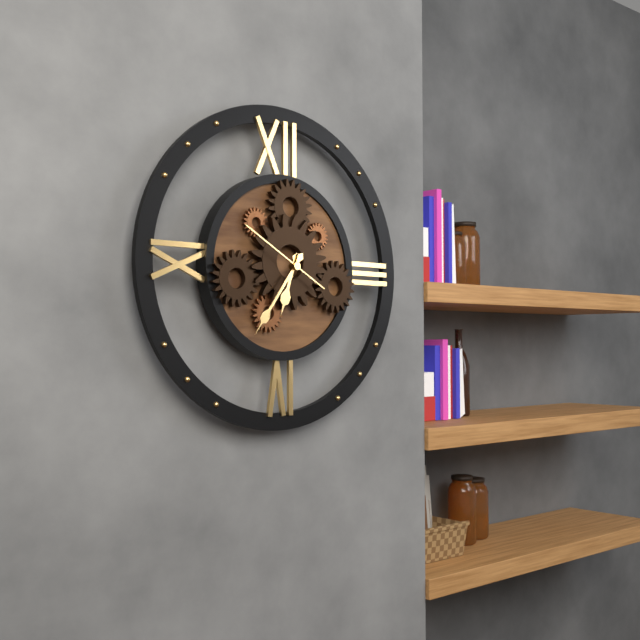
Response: 6:36:50
